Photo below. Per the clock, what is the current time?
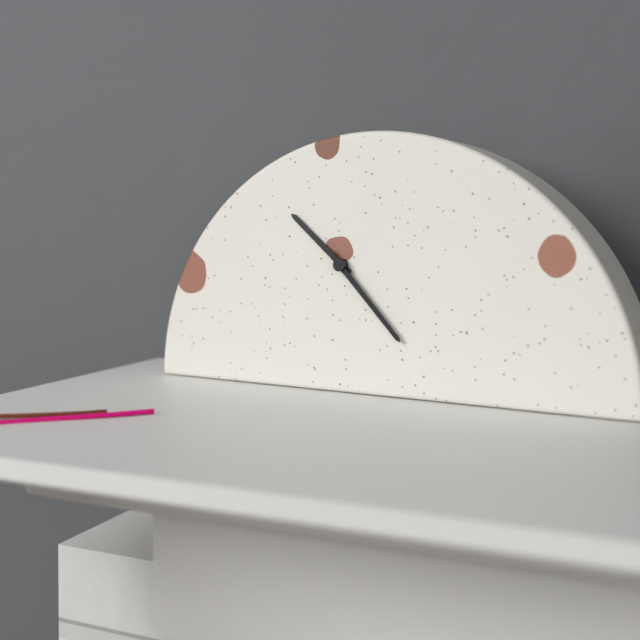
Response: 10:23
